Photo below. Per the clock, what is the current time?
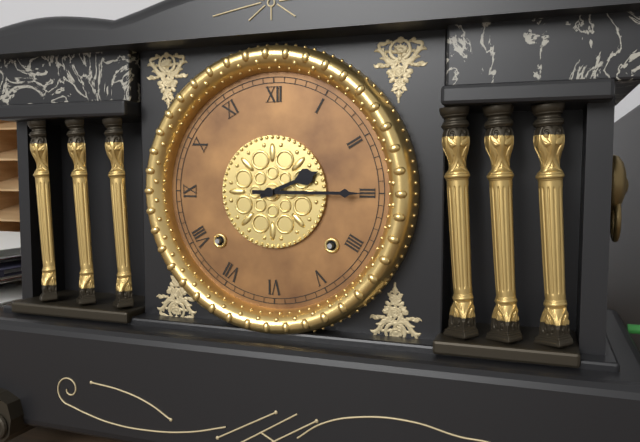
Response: 2:15
